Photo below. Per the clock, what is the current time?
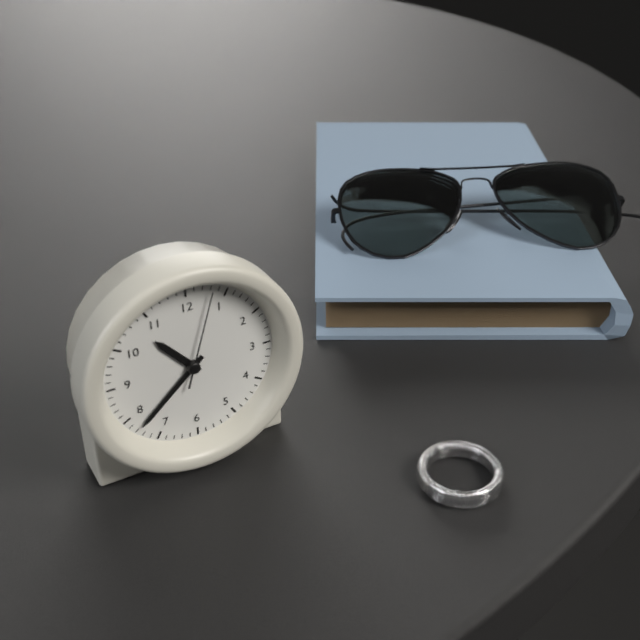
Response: 10:38:03
